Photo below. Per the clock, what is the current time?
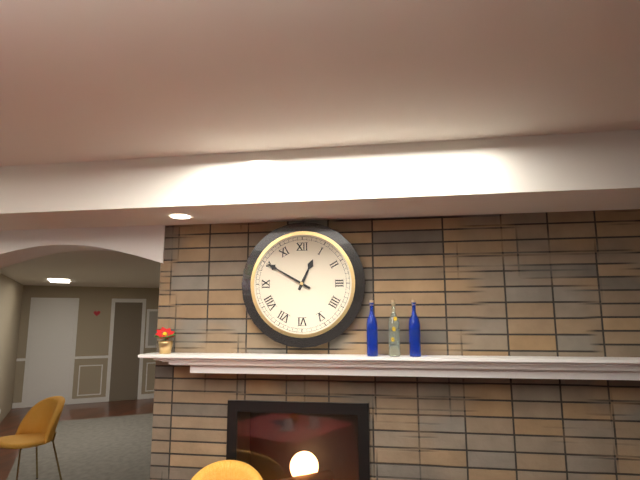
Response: 12:50
